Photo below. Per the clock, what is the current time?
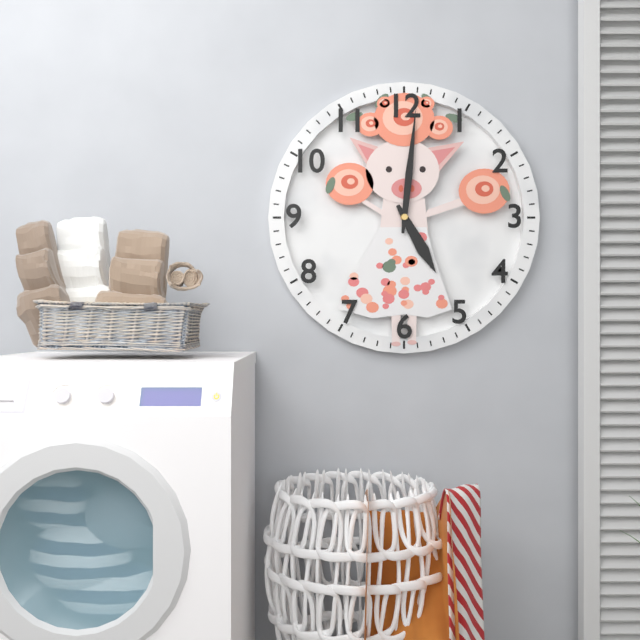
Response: 5:01
